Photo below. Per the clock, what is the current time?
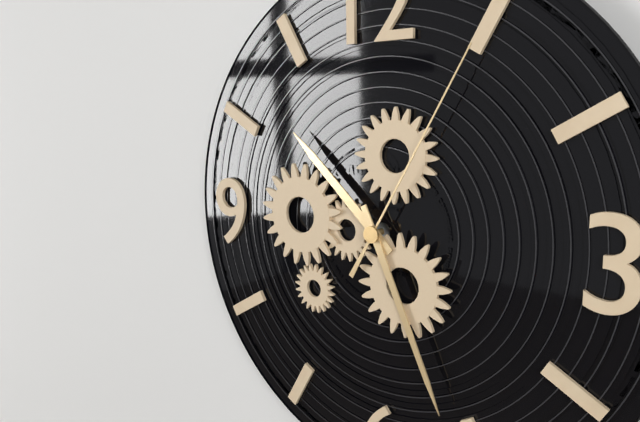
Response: 10:26:05
